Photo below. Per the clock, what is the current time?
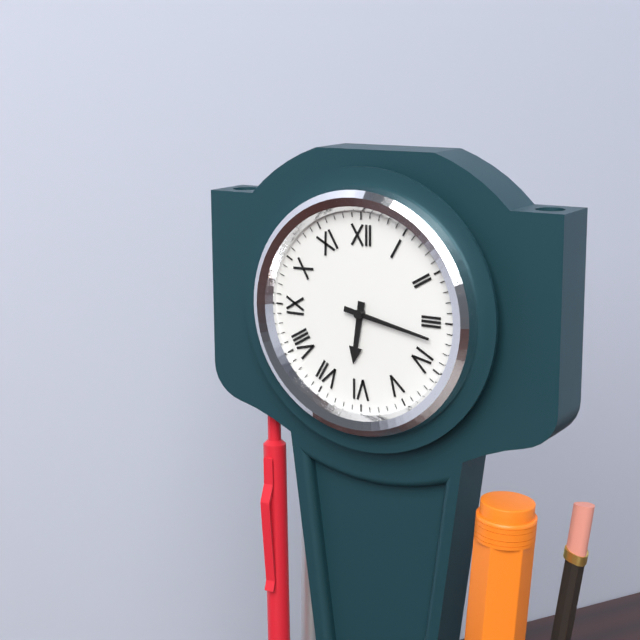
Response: 6:17
